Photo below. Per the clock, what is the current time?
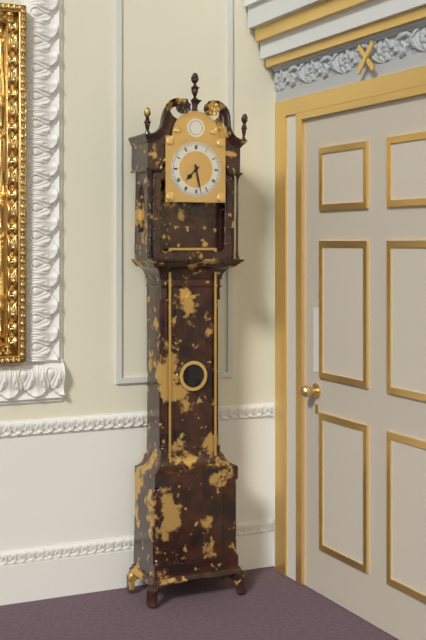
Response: 7:28
